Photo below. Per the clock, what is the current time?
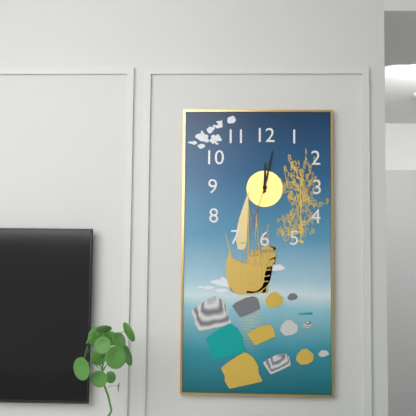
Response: 12:02:33
